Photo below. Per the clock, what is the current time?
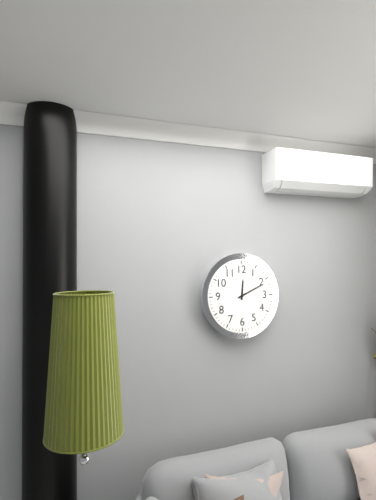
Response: 12:11
